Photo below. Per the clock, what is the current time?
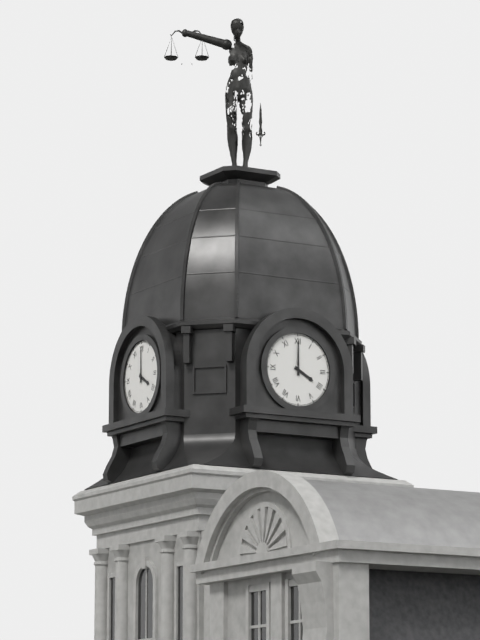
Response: 4:00
